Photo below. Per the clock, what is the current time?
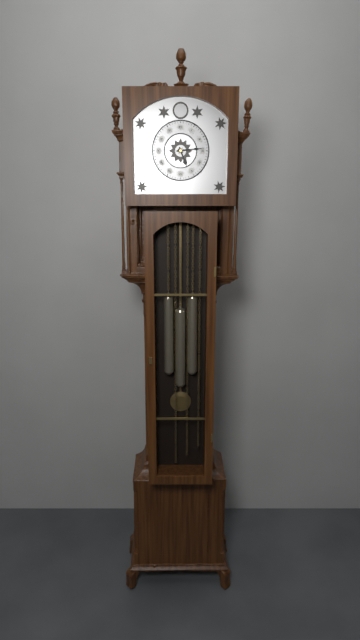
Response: 5:14
